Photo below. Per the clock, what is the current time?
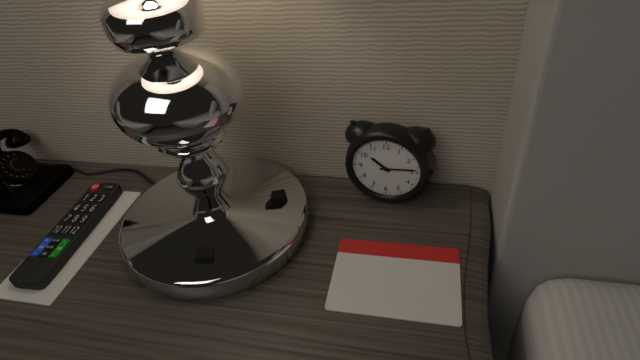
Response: 10:14
